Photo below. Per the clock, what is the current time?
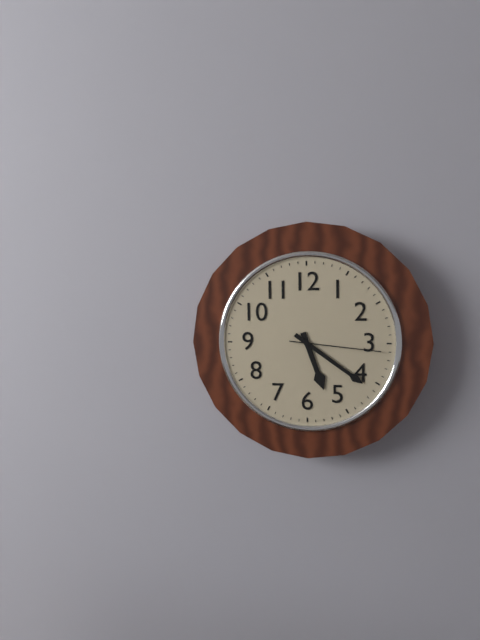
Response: 5:21:16
